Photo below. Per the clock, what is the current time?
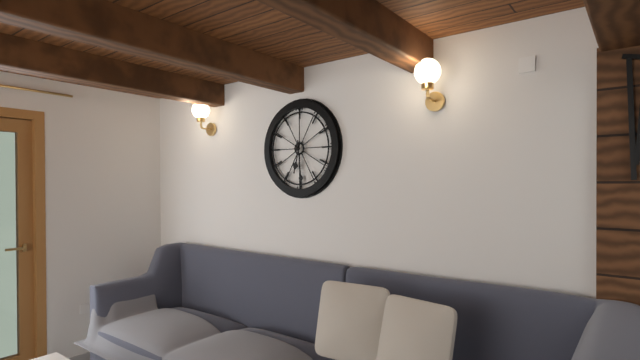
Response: 6:29
